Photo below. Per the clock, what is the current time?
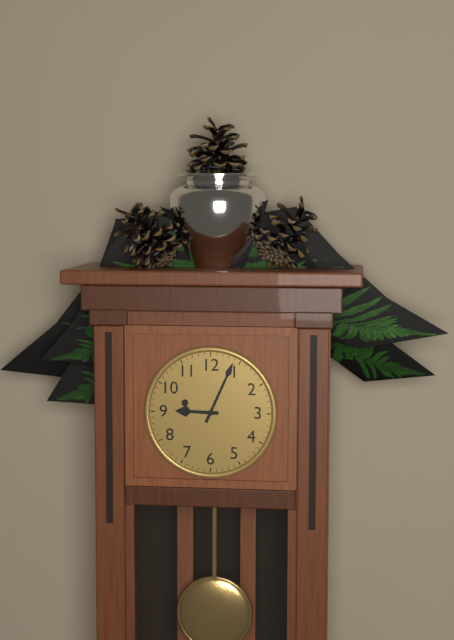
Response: 9:04
